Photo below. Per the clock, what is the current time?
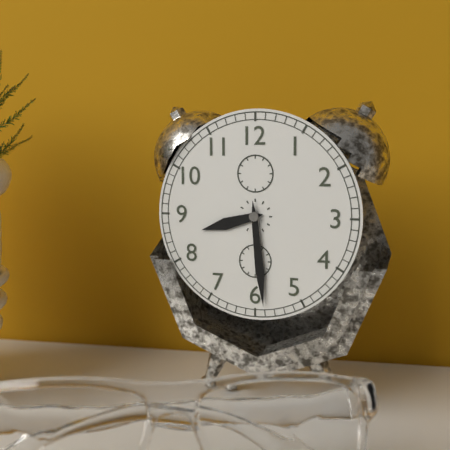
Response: 8:29
